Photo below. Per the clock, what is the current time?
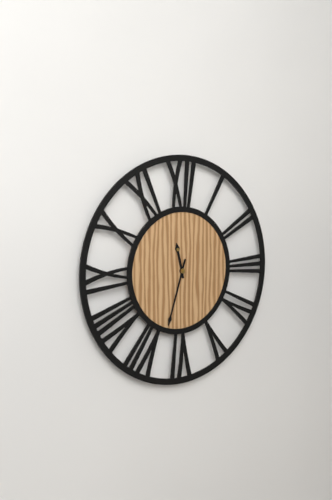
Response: 11:33
